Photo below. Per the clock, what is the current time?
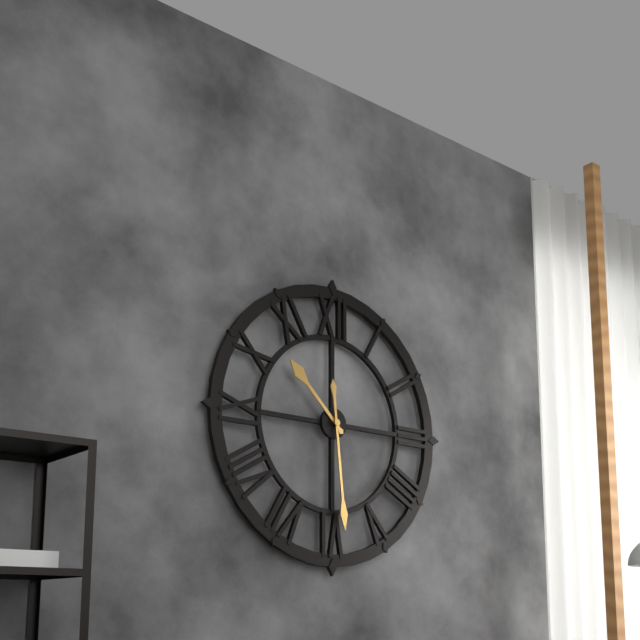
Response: 10:29
